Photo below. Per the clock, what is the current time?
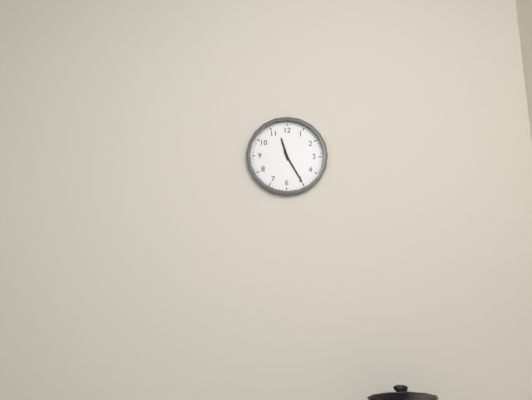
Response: 11:25
